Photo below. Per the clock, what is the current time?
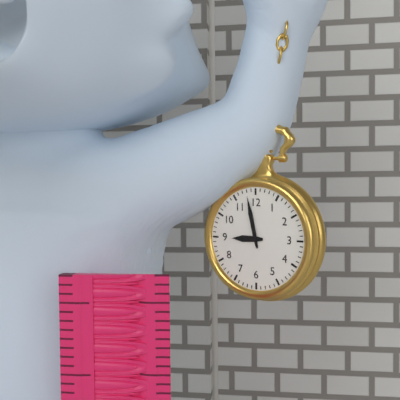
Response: 8:58
